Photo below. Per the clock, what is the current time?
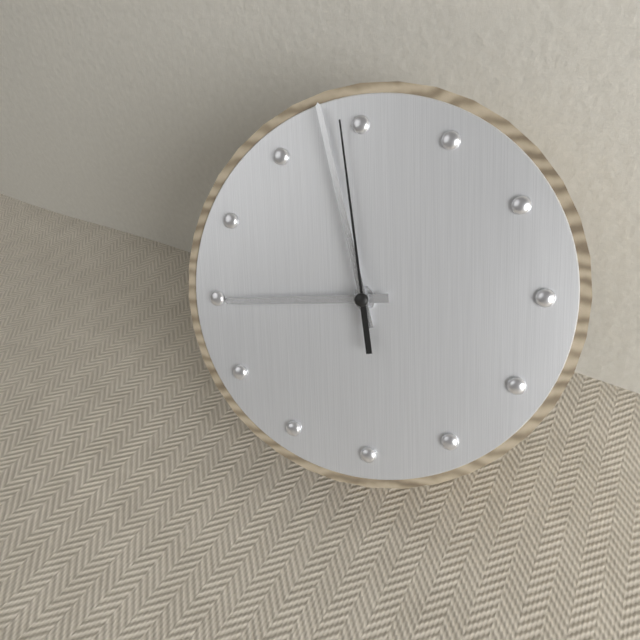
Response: 8:58:59
